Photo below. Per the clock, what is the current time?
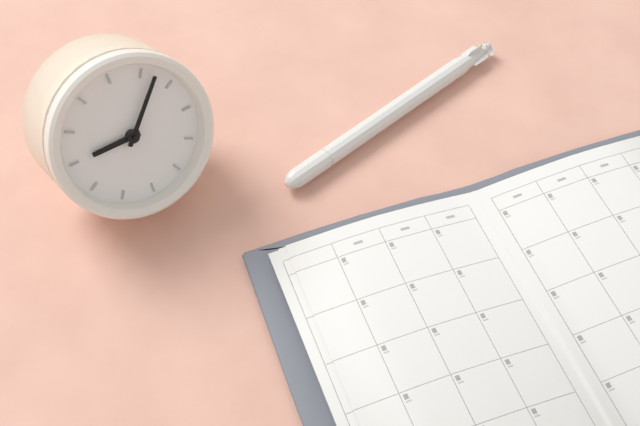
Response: 8:02
